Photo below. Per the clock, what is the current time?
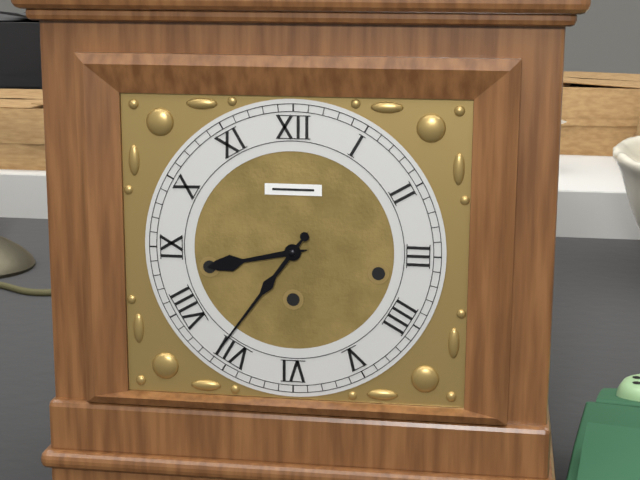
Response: 8:36
